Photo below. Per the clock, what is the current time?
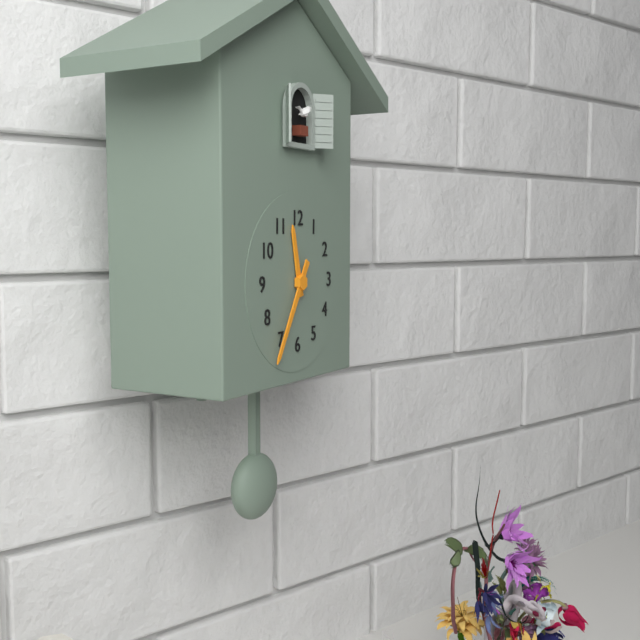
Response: 11:35
